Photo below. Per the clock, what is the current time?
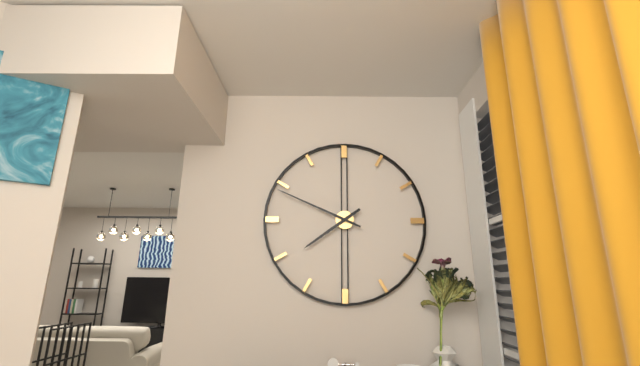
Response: 7:49
